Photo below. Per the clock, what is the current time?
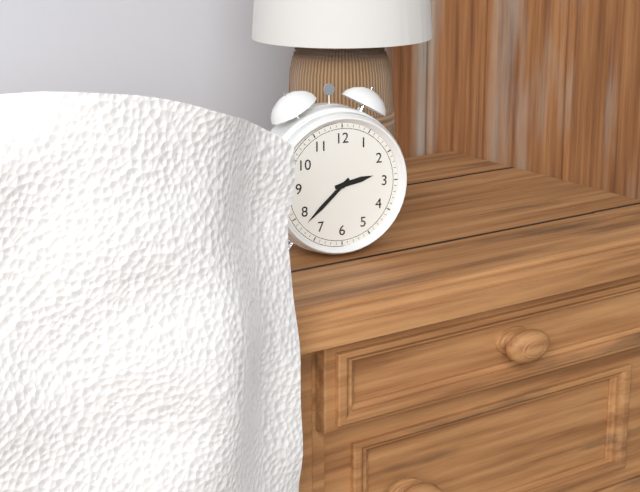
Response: 2:38
